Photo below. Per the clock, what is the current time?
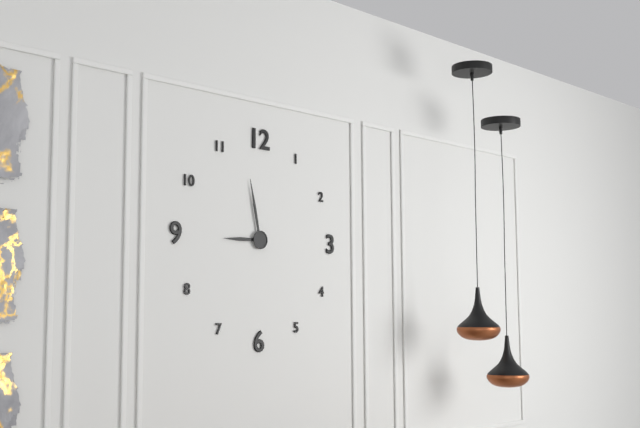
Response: 8:58
